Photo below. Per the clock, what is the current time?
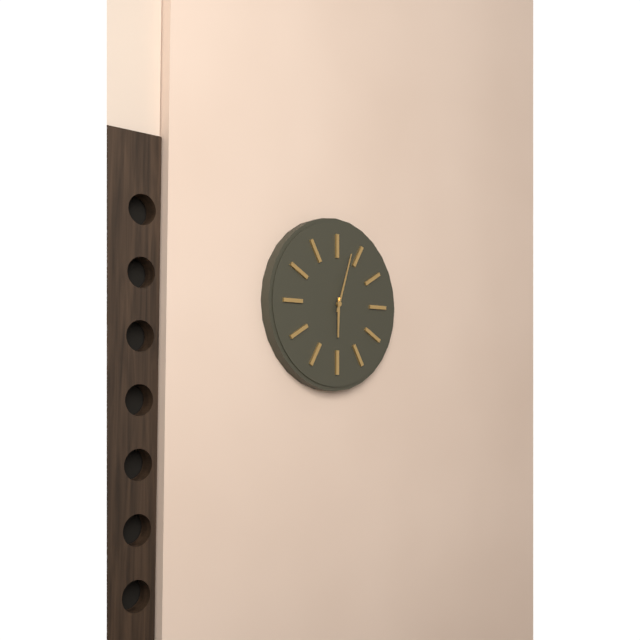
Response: 6:03
